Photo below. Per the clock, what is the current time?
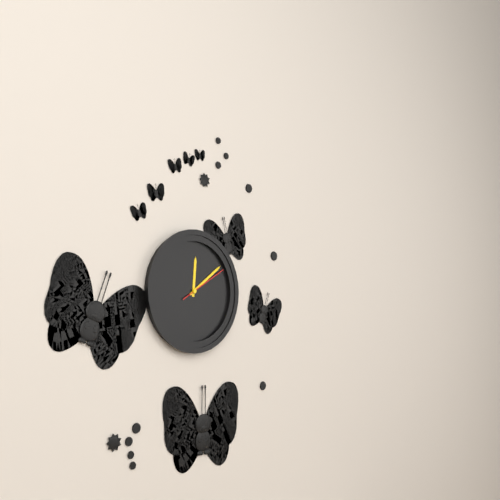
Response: 12:09
